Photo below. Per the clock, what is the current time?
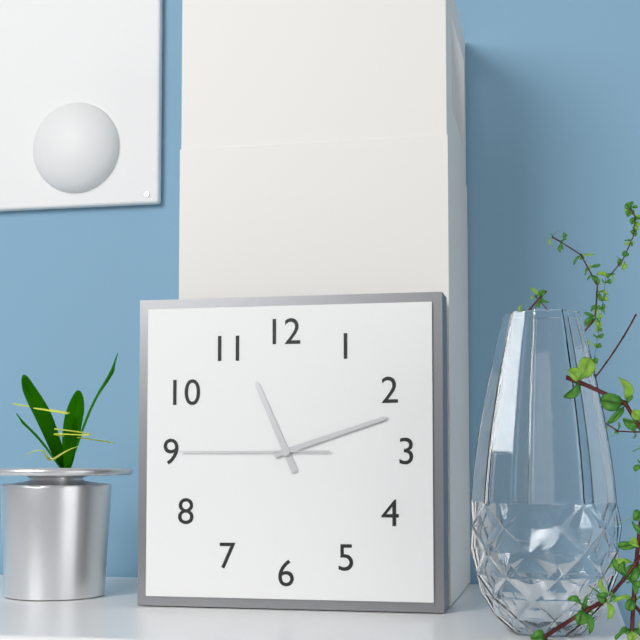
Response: 11:12:45
